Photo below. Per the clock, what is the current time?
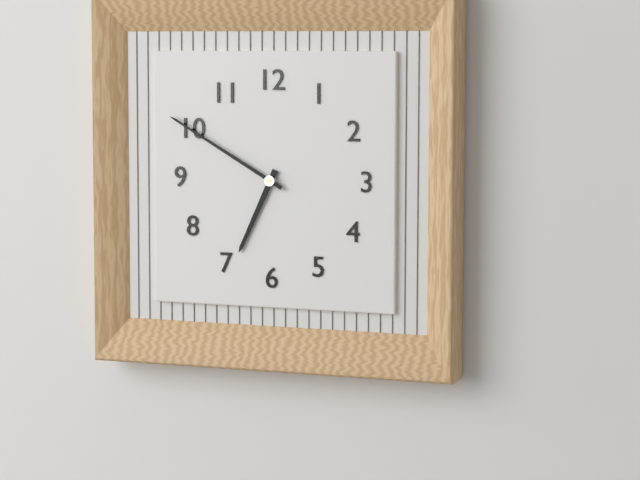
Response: 6:50
